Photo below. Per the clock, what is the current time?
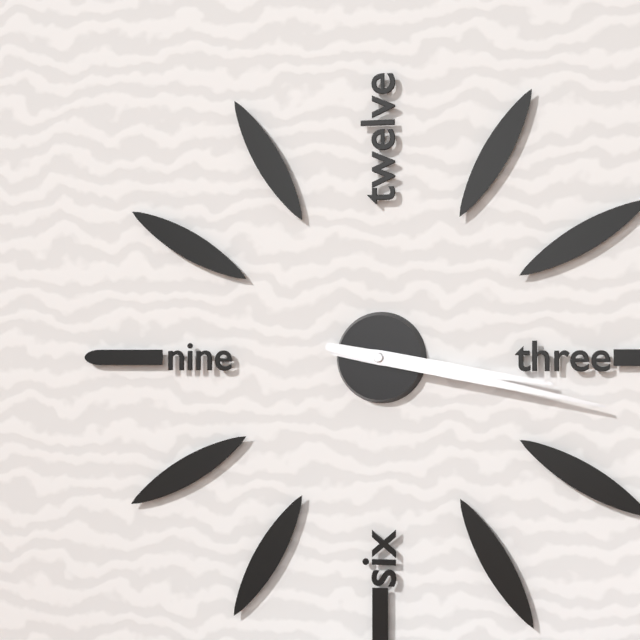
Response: 3:17
